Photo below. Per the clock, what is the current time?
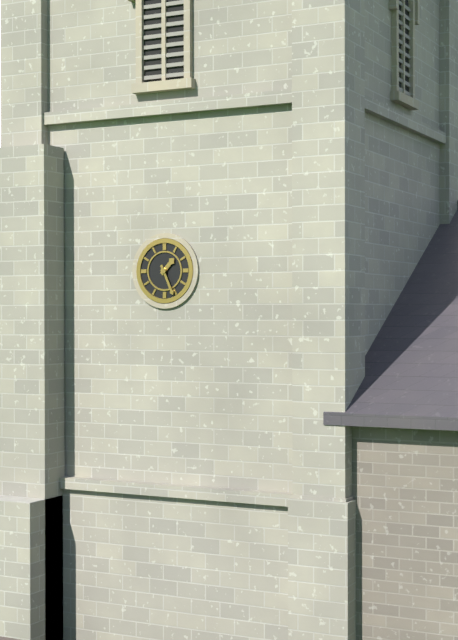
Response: 1:26
